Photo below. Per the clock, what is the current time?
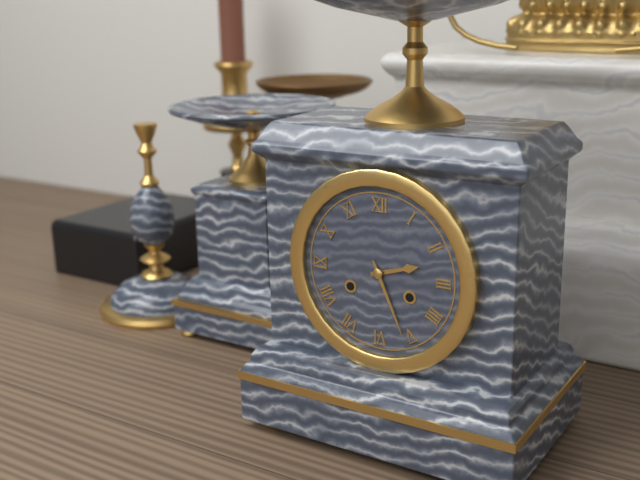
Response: 2:26
